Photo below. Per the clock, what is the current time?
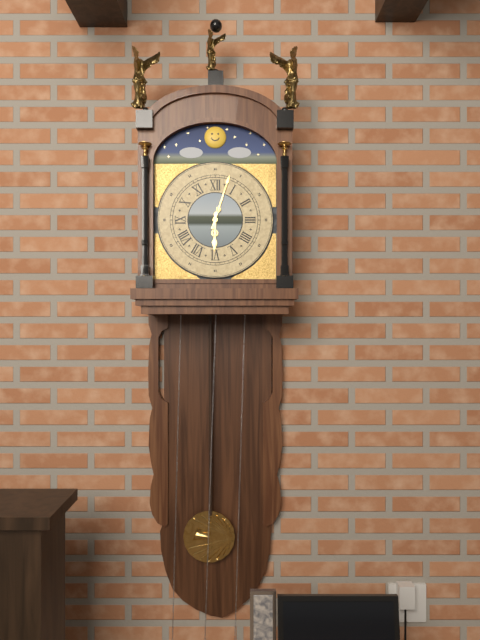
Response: 6:03
